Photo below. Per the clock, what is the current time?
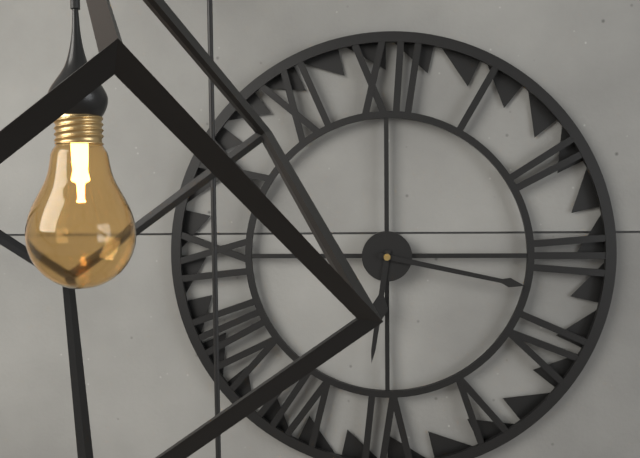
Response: 6:17
